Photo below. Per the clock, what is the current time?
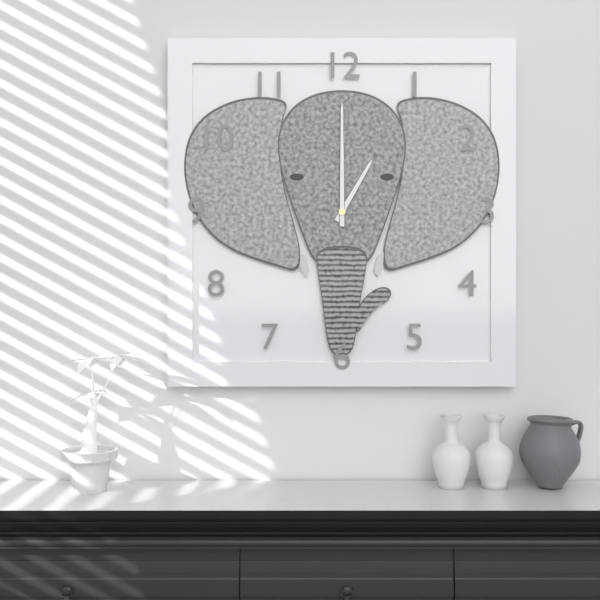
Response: 1:00
